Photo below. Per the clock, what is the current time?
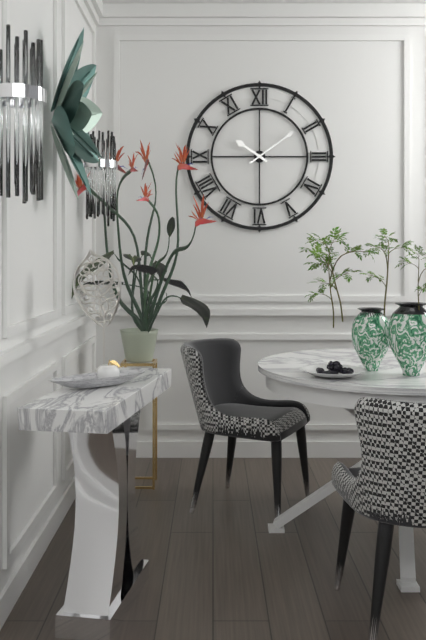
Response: 10:09
